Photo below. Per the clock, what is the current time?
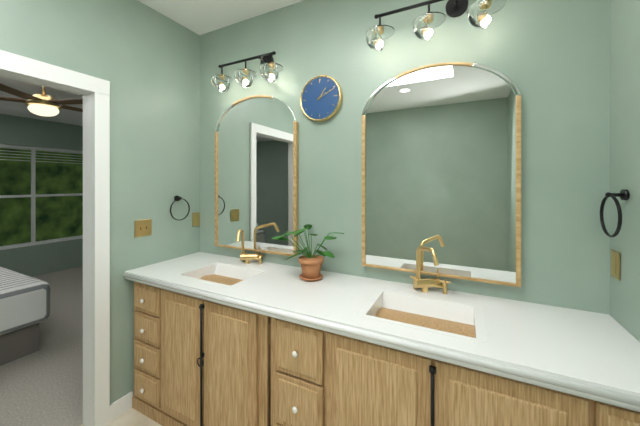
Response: 1:11
